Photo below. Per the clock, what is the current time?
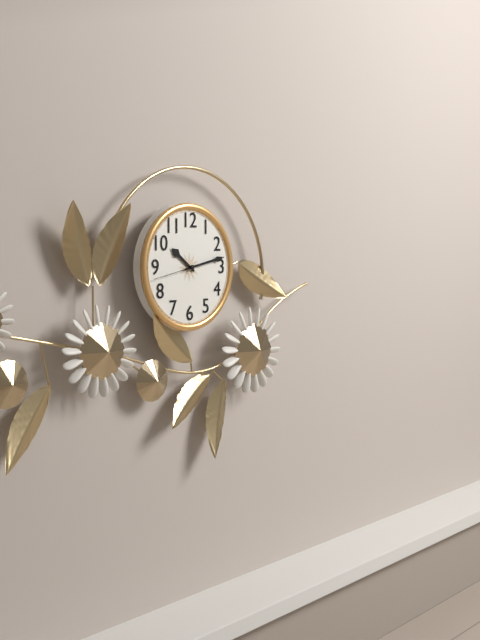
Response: 10:13
